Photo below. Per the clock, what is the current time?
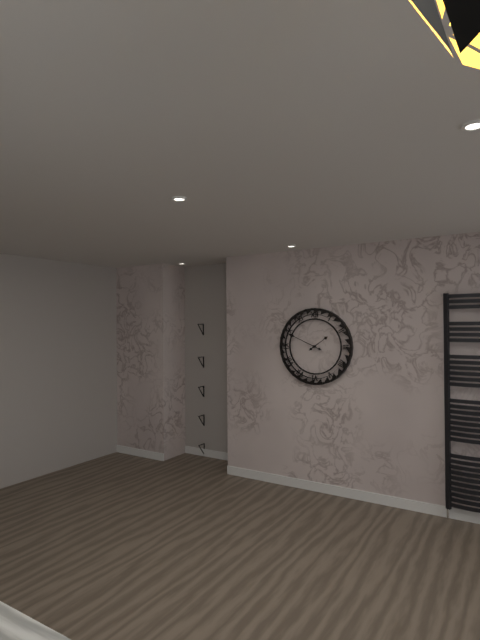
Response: 1:49
